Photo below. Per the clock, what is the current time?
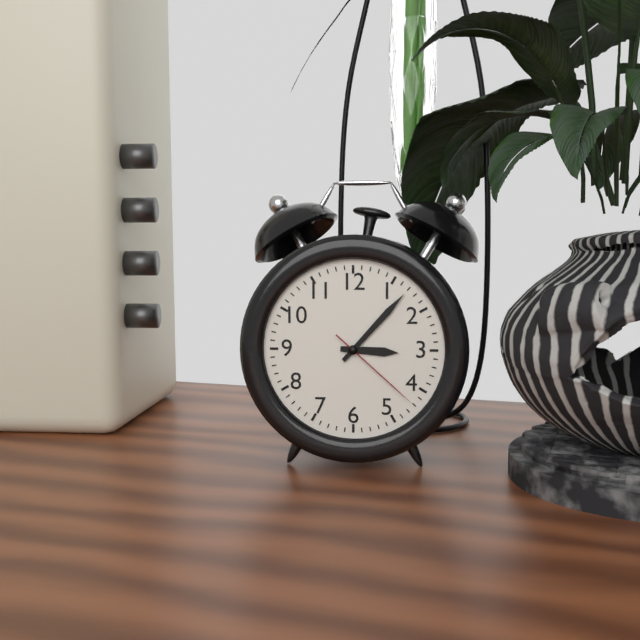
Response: 3:07:22
